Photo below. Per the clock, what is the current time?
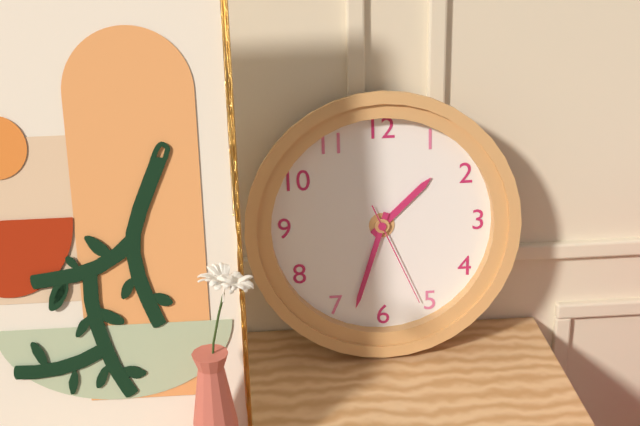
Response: 1:33:26
